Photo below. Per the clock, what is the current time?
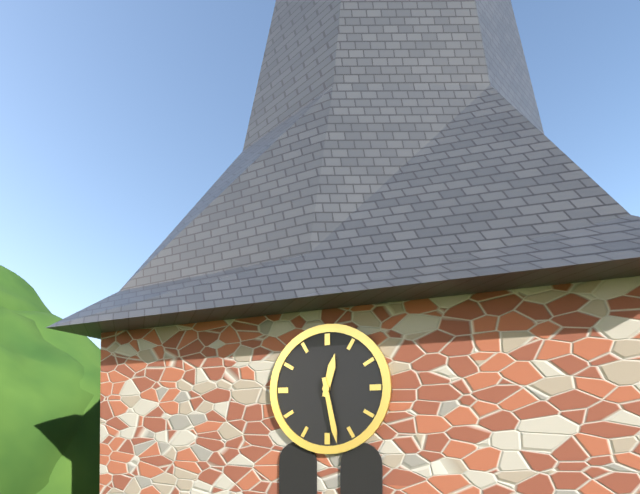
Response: 12:28
